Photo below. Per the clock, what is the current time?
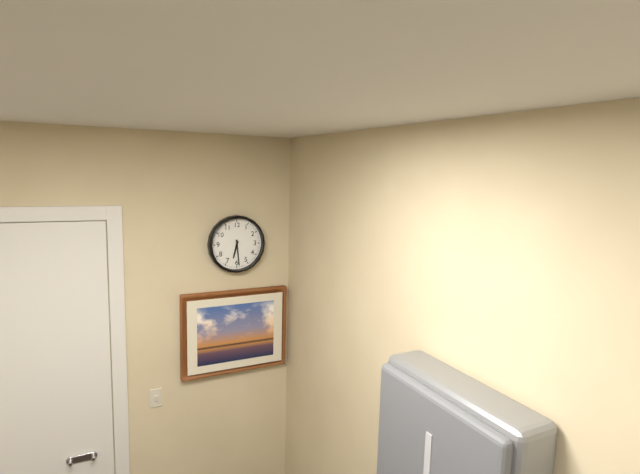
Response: 6:29
